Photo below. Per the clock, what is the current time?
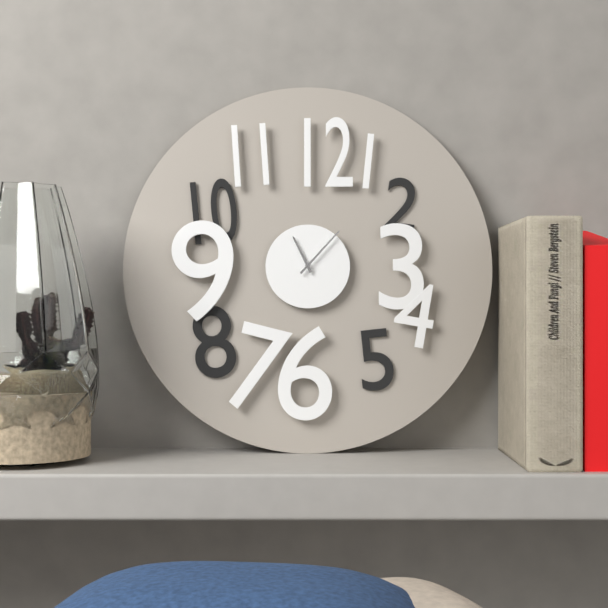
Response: 11:07
